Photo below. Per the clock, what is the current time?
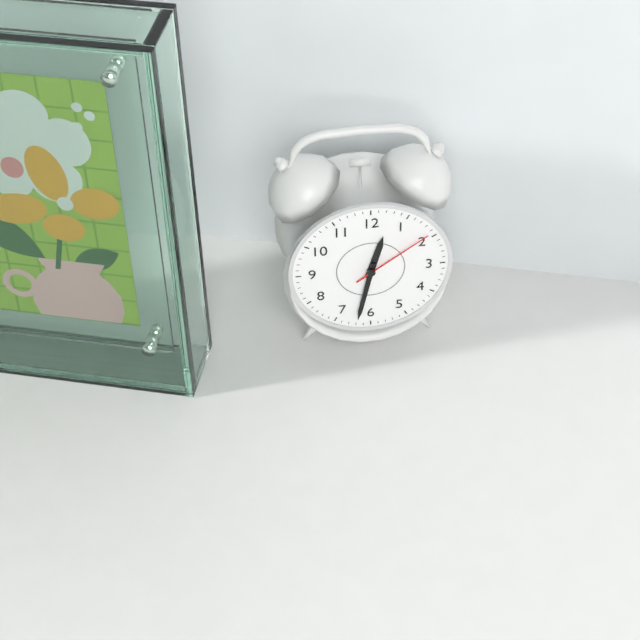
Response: 12:32:09
